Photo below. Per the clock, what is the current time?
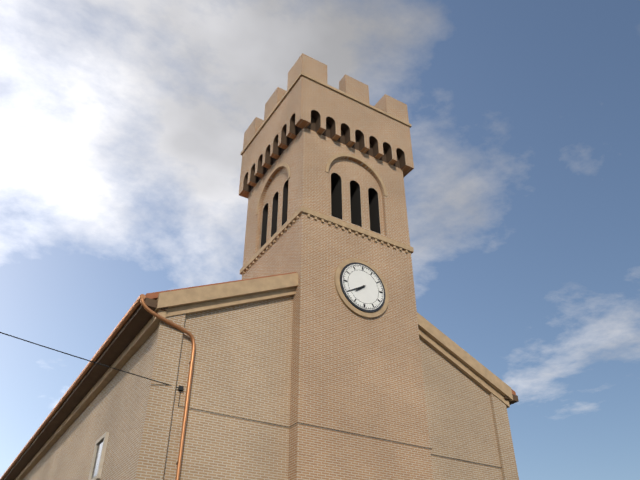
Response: 7:40
